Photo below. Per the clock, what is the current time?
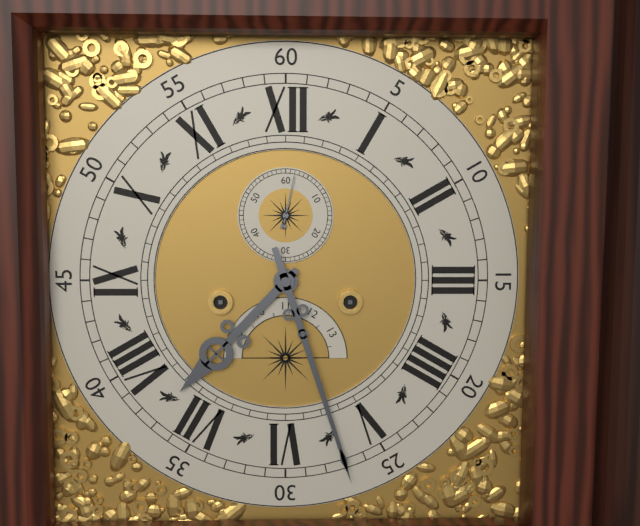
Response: 7:27:02
